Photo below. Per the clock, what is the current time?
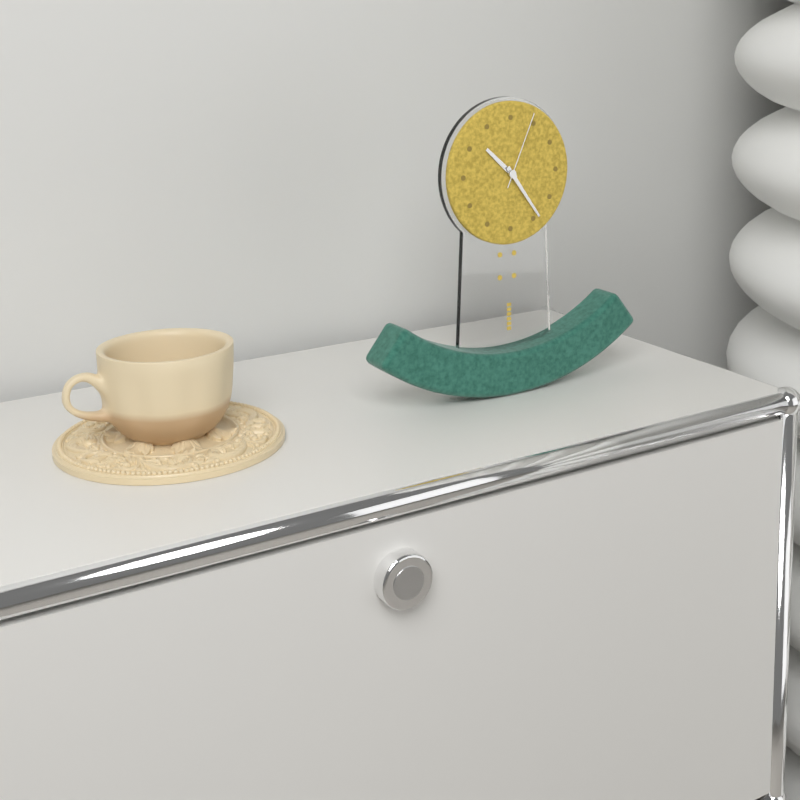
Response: 10:24:04
